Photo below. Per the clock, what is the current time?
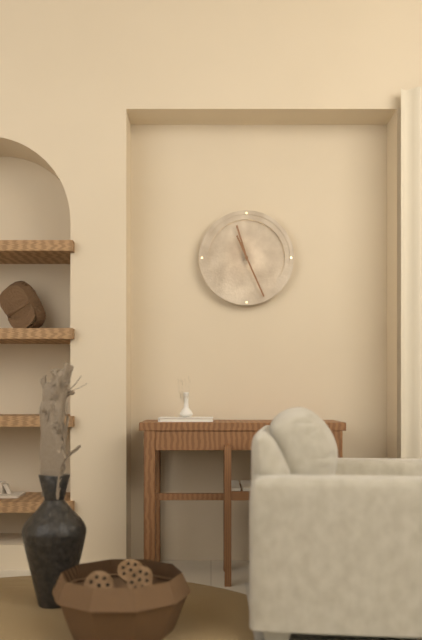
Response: 11:26
